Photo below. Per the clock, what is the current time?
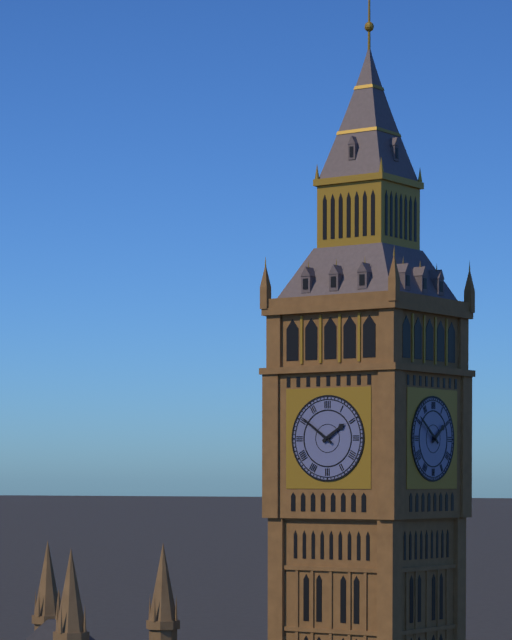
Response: 1:51
